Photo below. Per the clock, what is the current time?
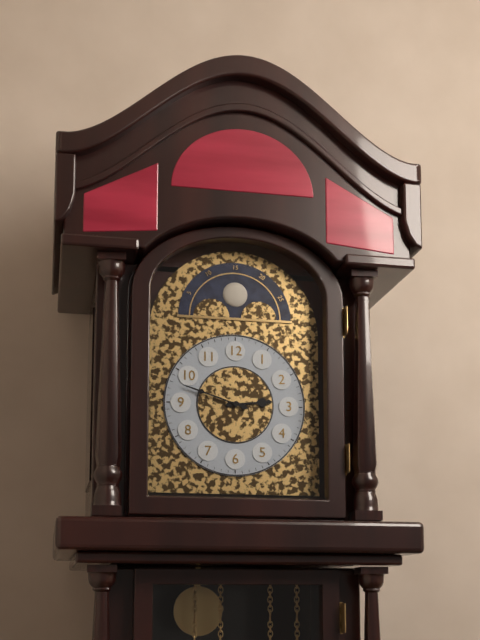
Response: 2:48
